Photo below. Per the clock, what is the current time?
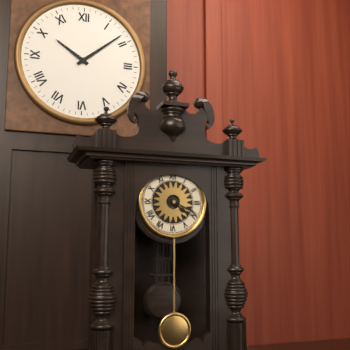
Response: 4:19
